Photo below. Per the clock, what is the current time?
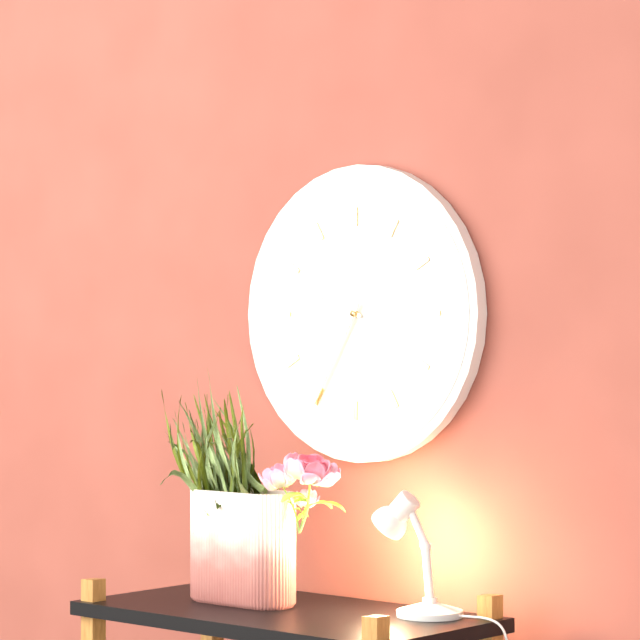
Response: 9:35
